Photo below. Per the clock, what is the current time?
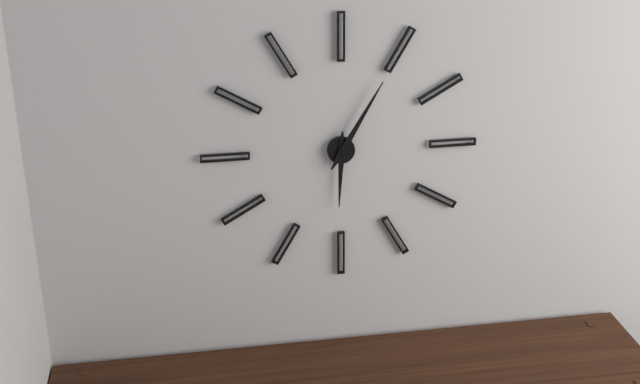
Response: 6:05
